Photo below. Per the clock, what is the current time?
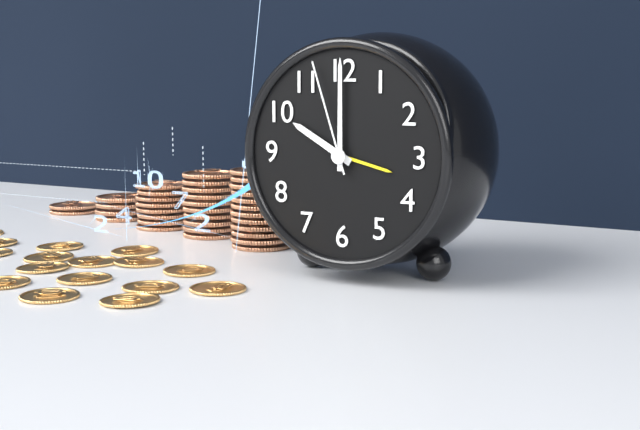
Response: 10:00:57
